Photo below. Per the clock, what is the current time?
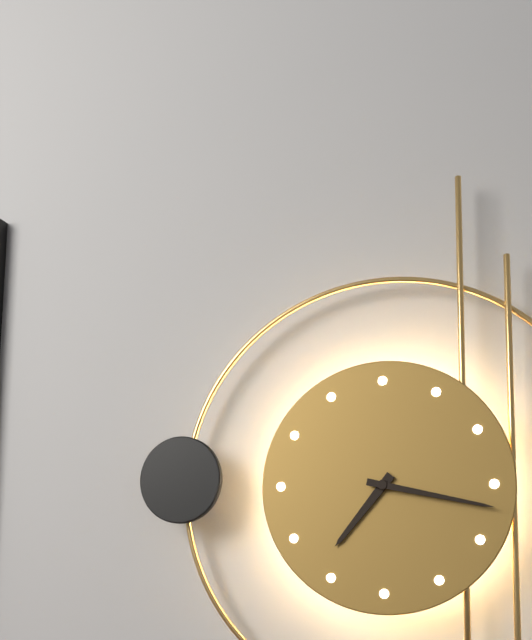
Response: 7:17
